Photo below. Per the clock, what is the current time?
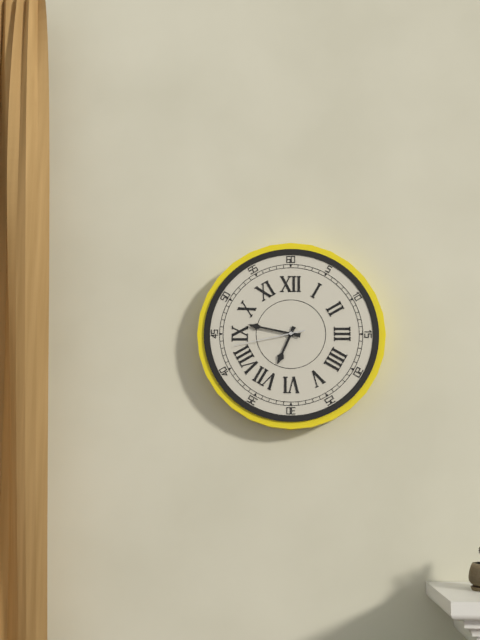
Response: 6:47:43
